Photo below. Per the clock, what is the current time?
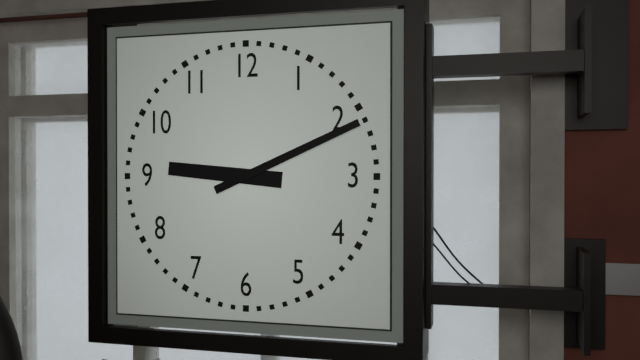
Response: 9:11
